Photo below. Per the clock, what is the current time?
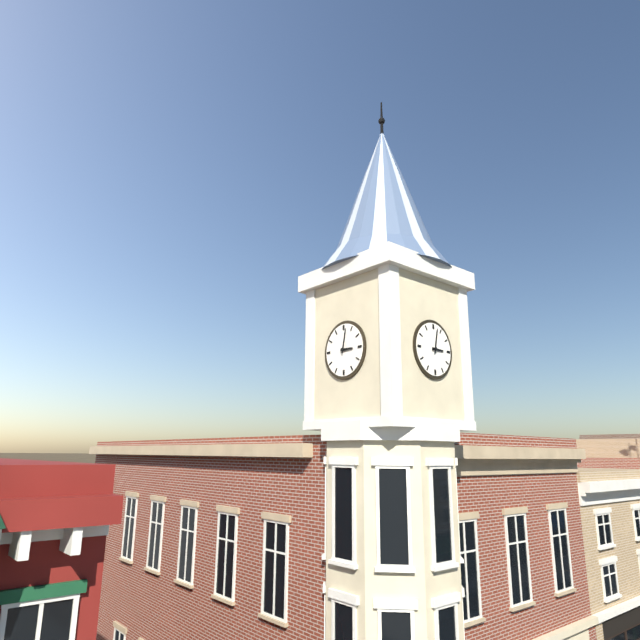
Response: 3:02
